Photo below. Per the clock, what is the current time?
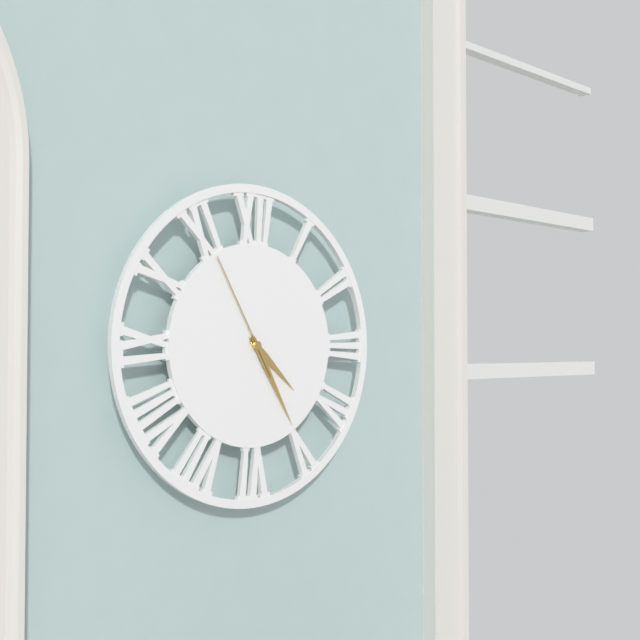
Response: 4:25:55
